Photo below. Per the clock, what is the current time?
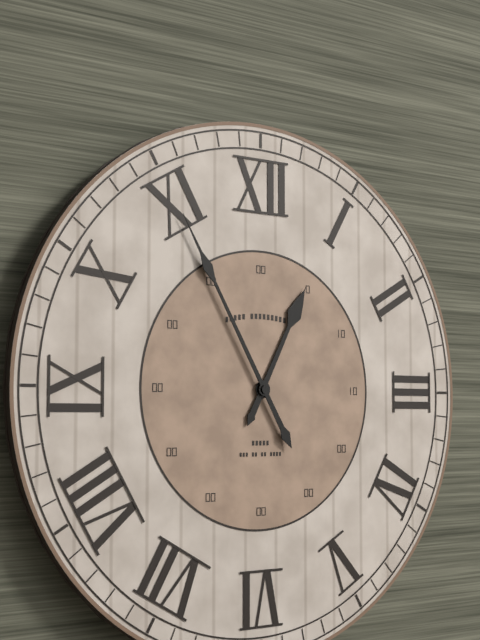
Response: 12:55
